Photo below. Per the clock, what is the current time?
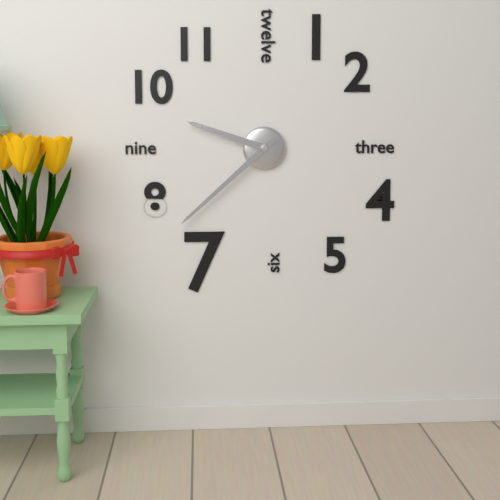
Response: 9:38
